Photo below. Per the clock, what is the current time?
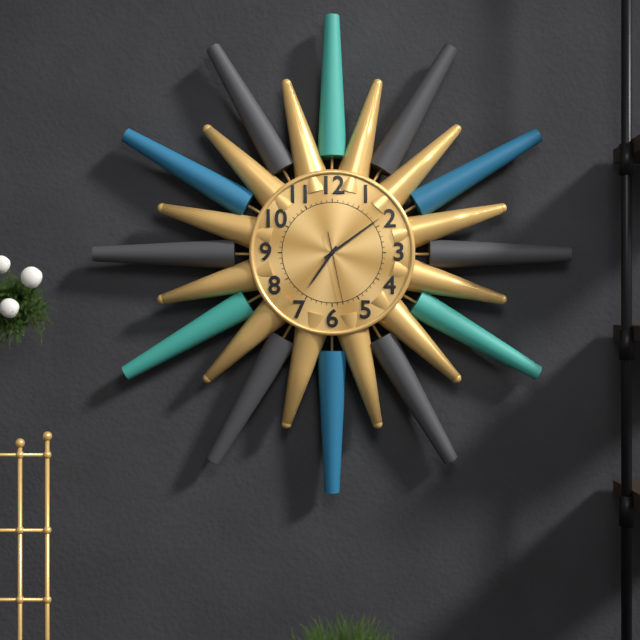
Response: 7:09:28
